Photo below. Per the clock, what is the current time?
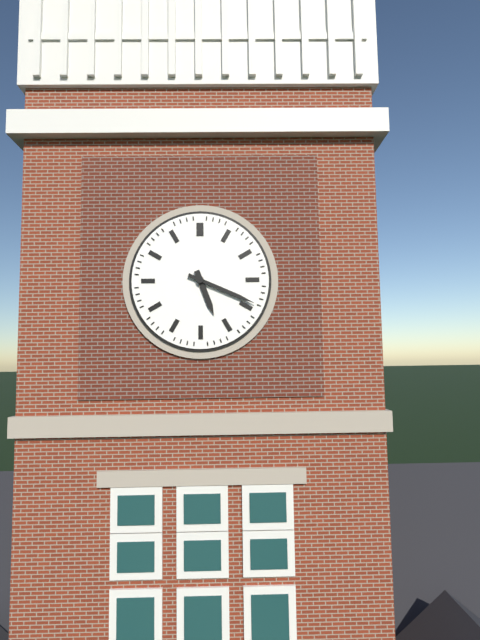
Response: 5:19
